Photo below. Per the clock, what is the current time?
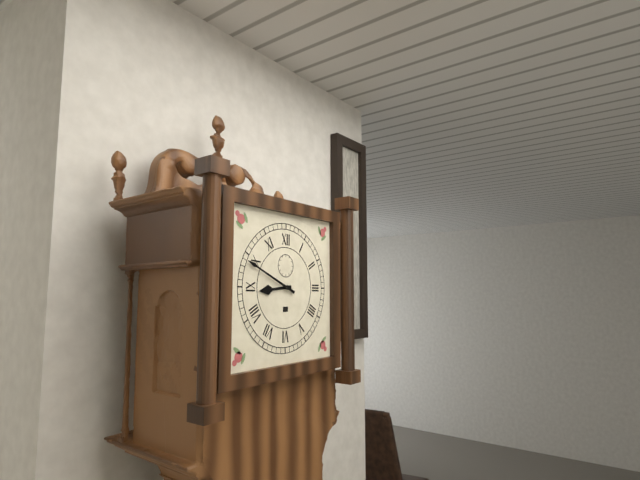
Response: 8:49
